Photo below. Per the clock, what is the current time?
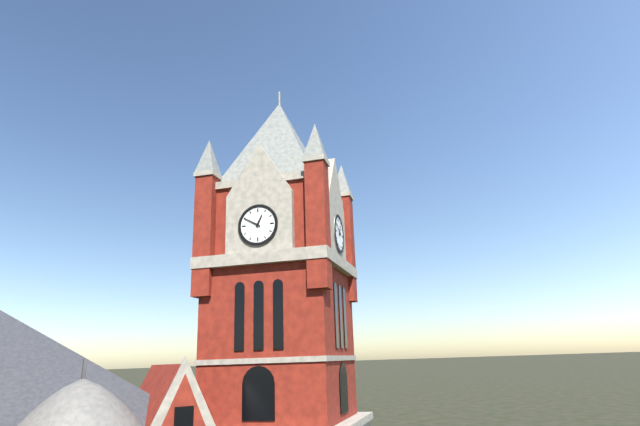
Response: 12:50
